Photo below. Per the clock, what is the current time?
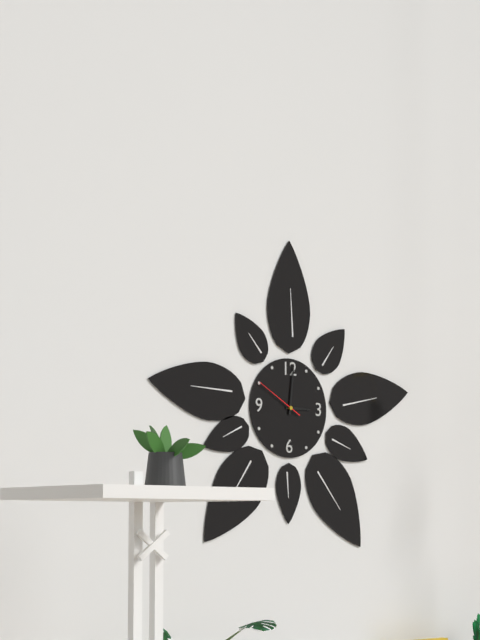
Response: 3:01
